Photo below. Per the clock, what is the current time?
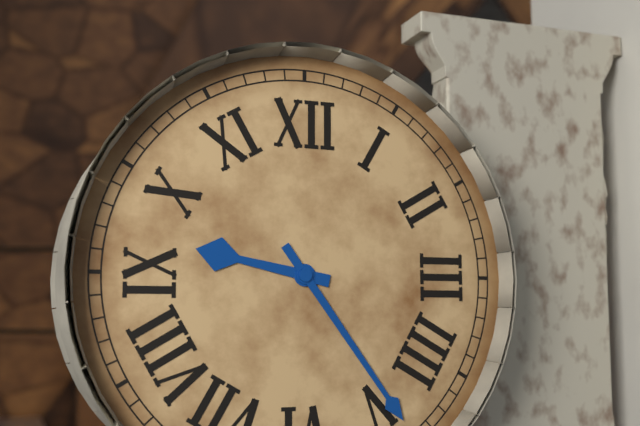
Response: 9:24
